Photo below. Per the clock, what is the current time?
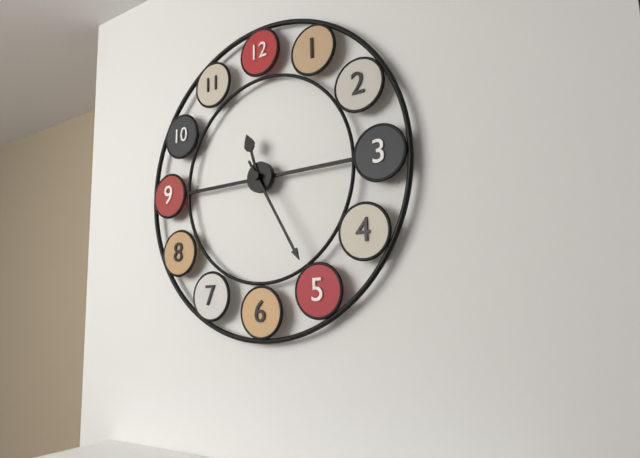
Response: 11:25
